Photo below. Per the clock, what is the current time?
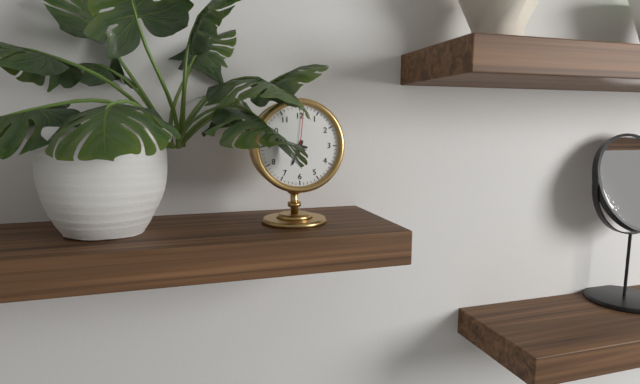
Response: 6:47
